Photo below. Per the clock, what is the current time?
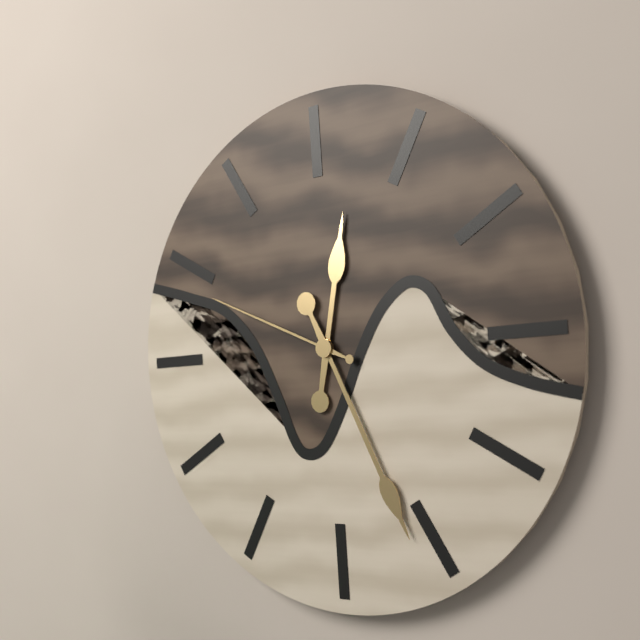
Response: 12:26:49
